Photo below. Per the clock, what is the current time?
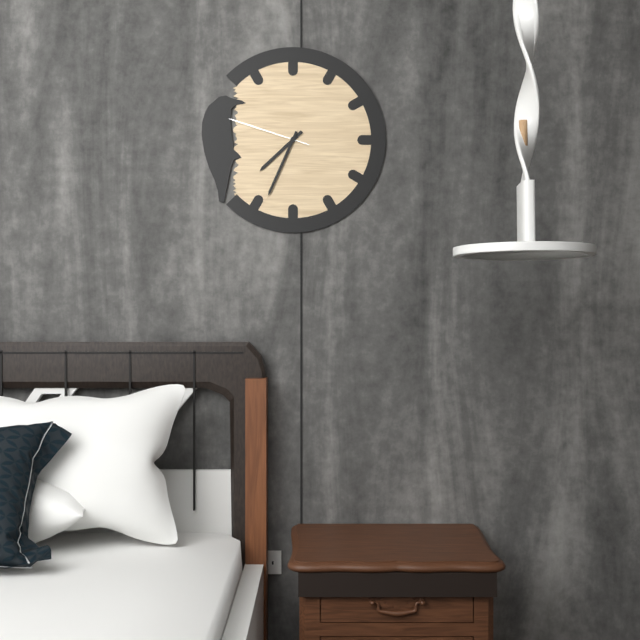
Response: 7:34:48
